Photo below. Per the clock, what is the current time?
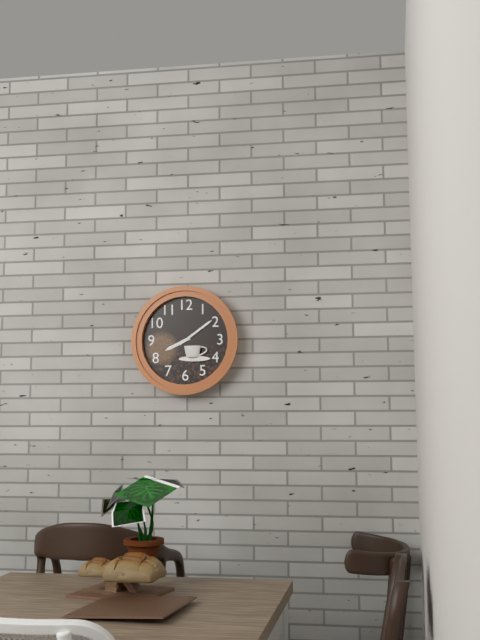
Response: 8:09
